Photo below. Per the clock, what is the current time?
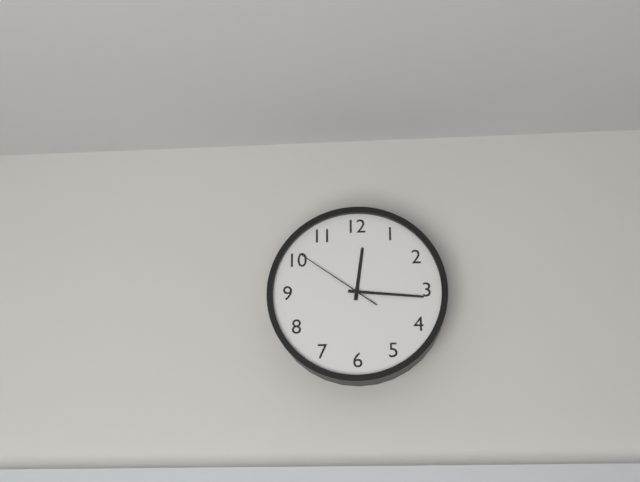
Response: 12:16:51
